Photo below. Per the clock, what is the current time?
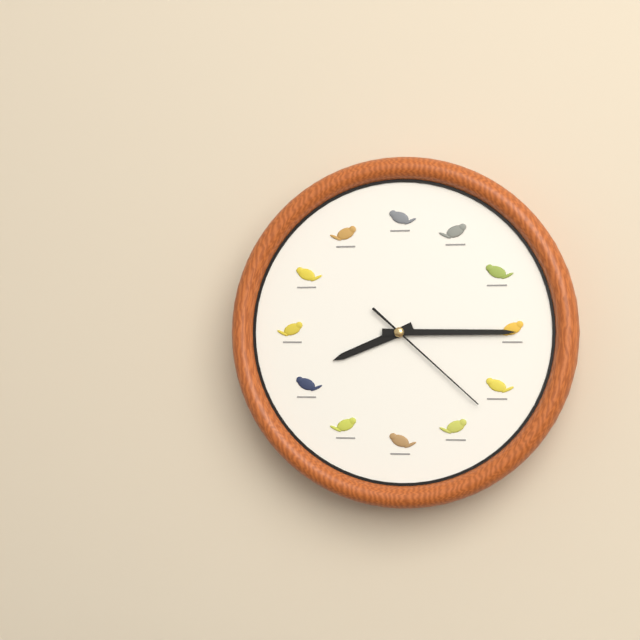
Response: 8:15:22
